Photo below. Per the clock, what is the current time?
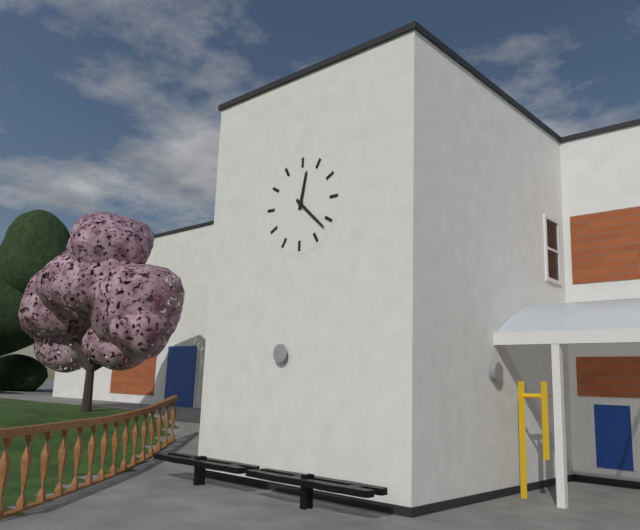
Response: 12:22
